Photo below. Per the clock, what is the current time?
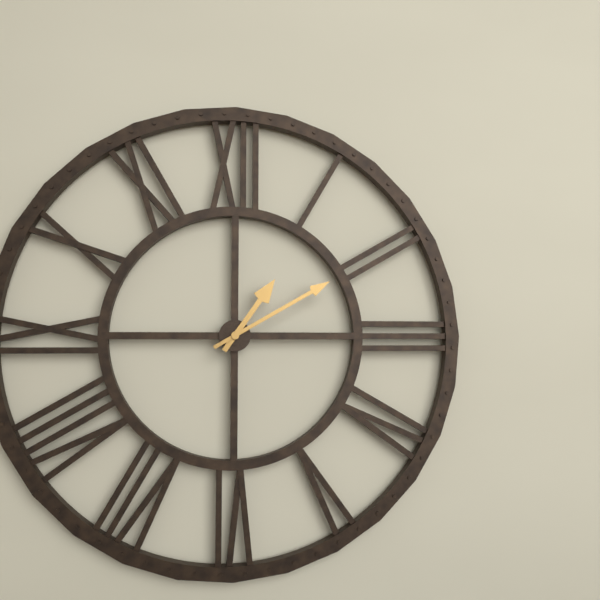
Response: 1:10
